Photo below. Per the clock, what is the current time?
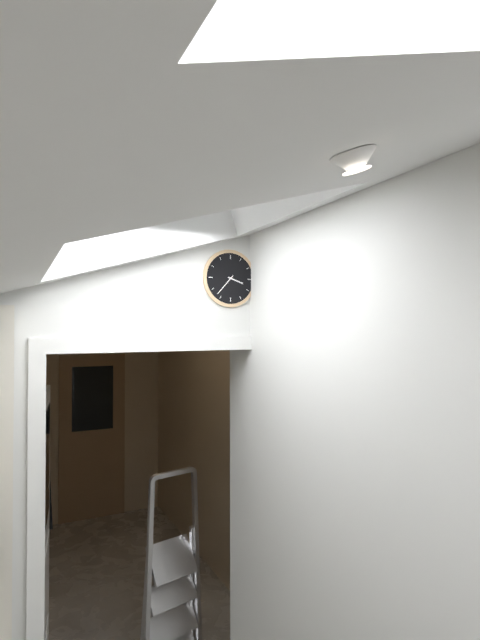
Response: 3:37
